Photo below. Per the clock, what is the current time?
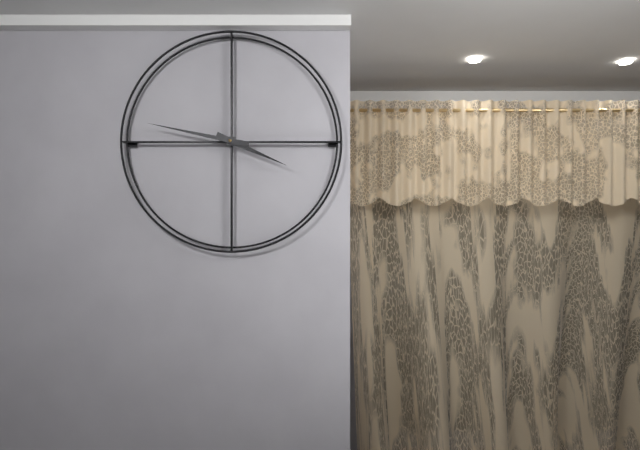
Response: 3:47
